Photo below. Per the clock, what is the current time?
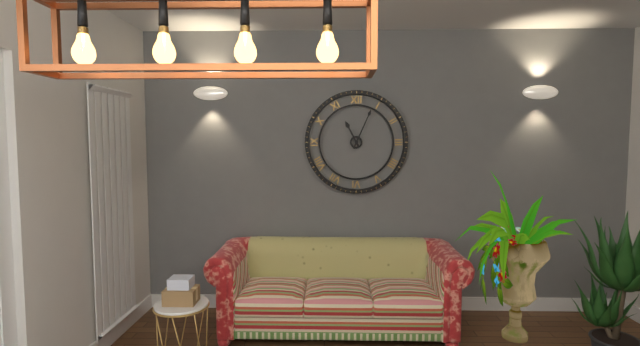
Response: 11:04
